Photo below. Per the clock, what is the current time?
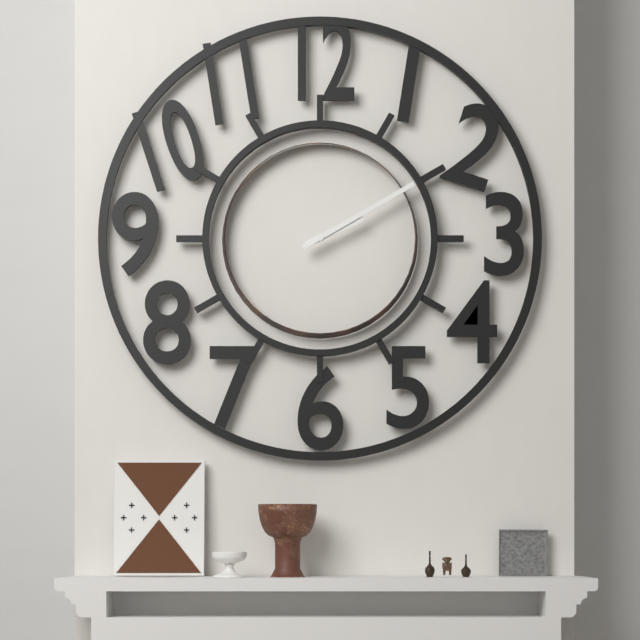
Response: 2:10
